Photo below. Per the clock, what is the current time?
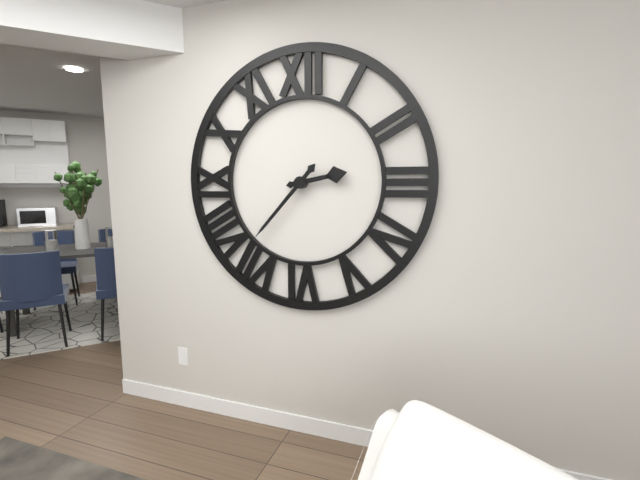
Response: 2:37
